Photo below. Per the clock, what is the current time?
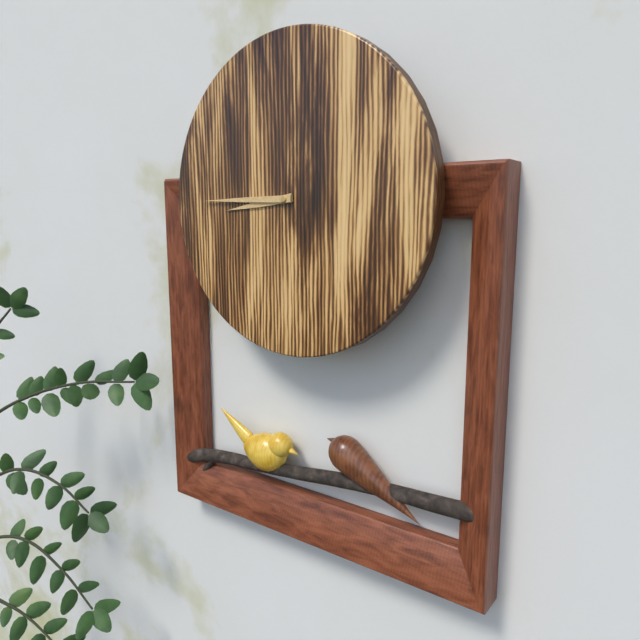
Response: 8:45
